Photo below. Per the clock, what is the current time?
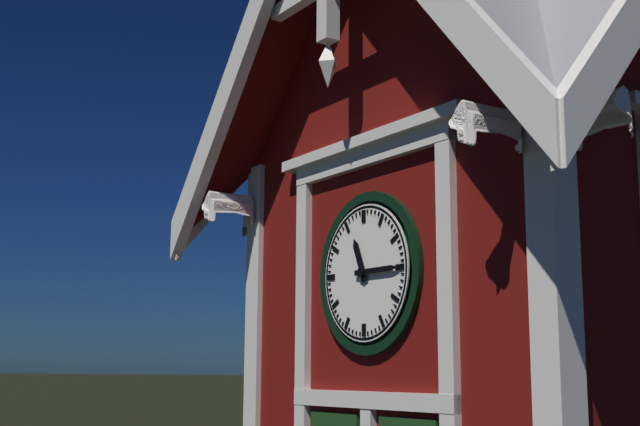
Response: 11:15
